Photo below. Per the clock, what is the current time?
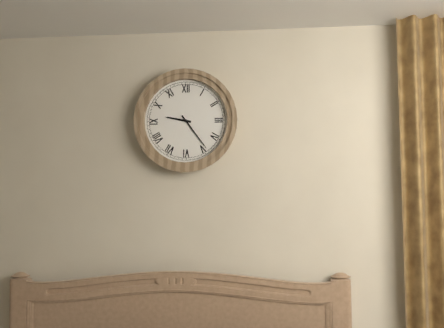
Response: 9:24
